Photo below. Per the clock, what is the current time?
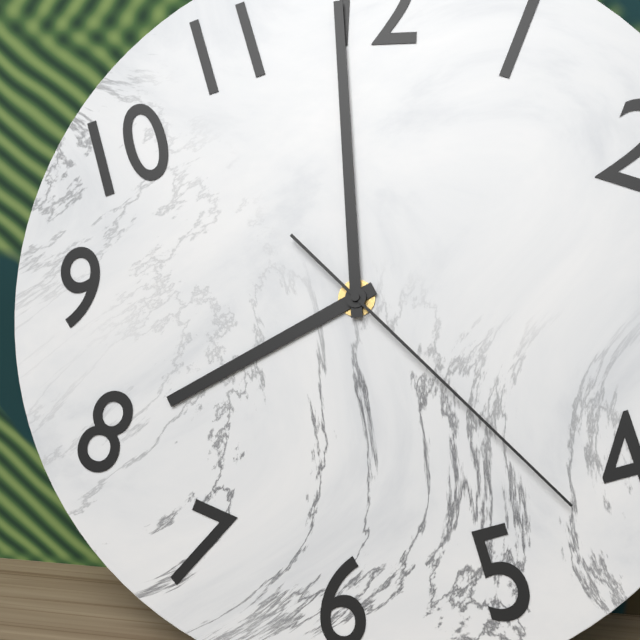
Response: 7:59:22
